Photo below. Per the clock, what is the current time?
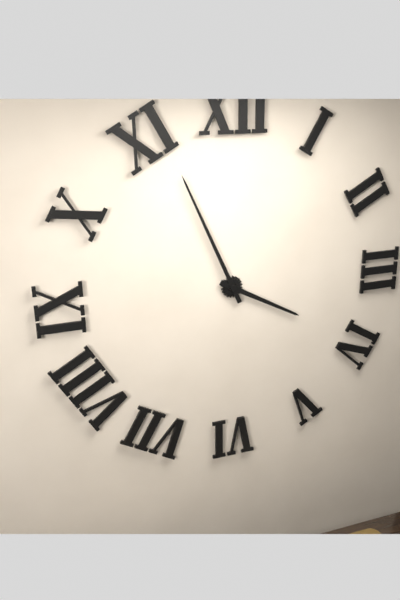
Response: 3:56
